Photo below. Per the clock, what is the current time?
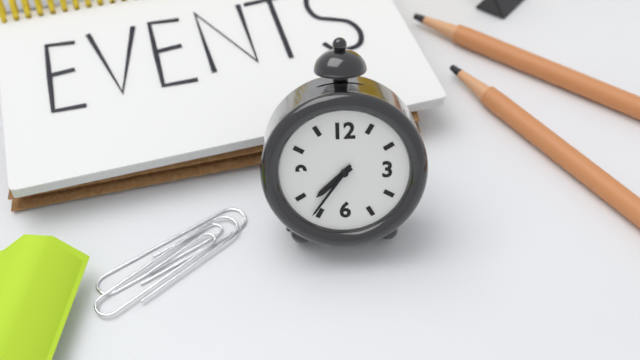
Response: 7:36
